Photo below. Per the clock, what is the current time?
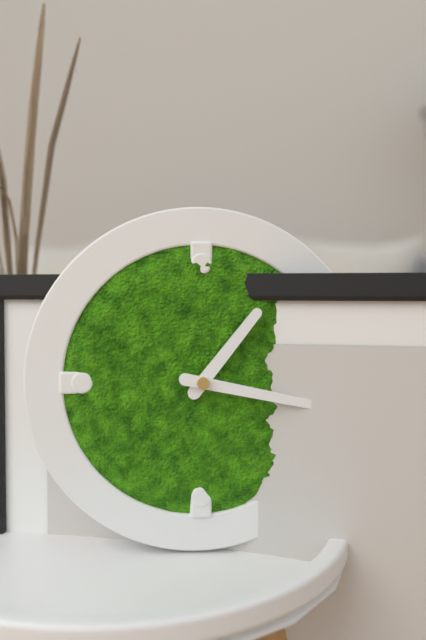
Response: 1:17
